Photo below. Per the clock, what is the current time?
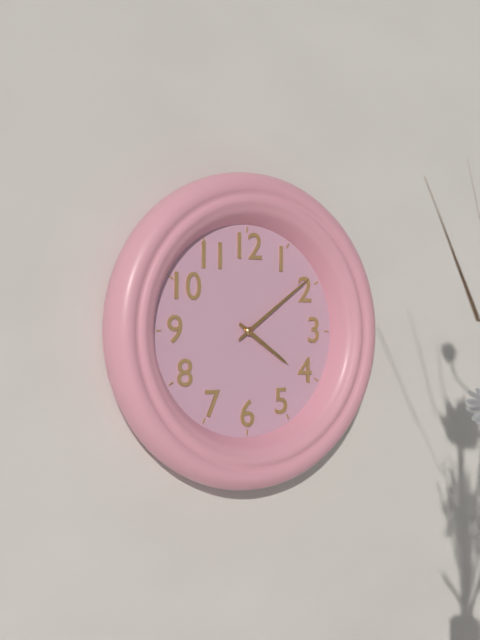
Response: 4:09
